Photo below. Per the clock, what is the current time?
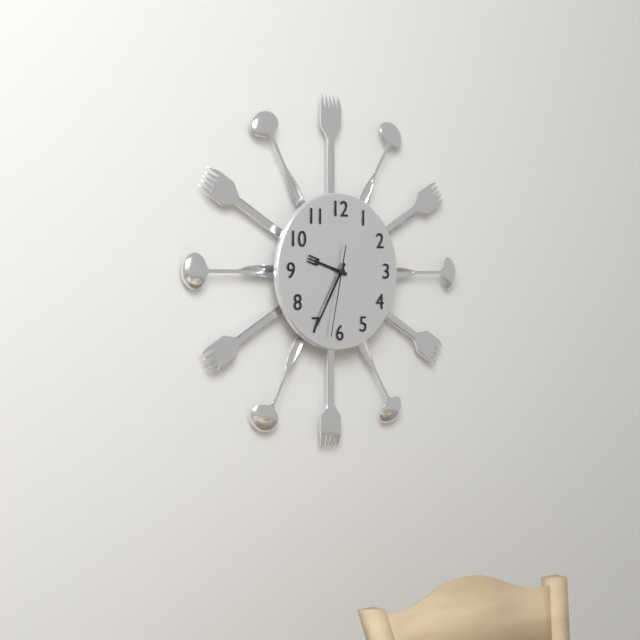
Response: 9:35:32
